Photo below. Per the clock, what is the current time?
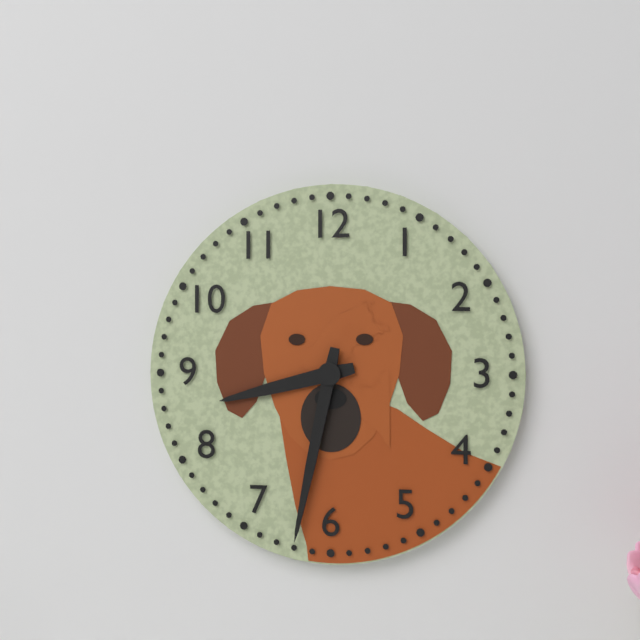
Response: 8:32
